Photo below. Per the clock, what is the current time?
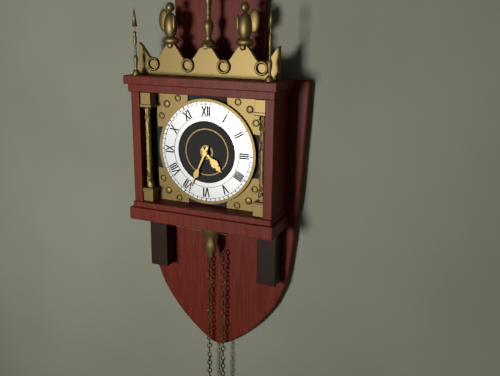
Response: 4:34
